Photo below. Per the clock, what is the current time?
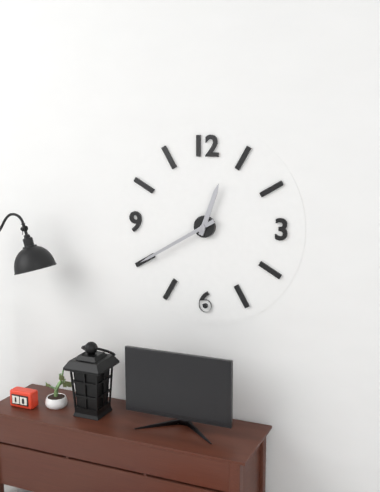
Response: 12:40
